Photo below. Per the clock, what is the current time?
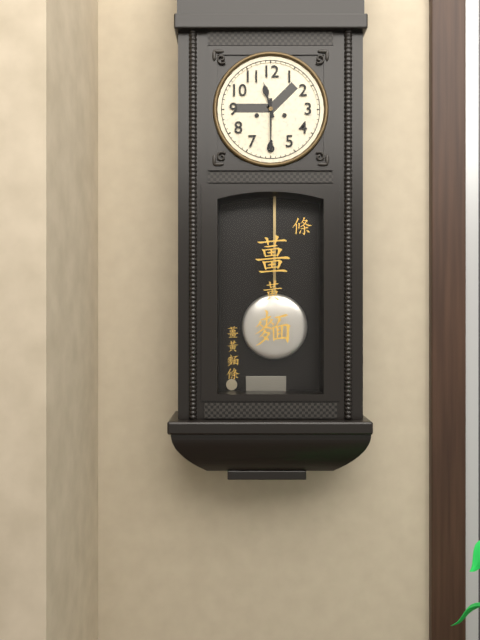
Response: 11:30
